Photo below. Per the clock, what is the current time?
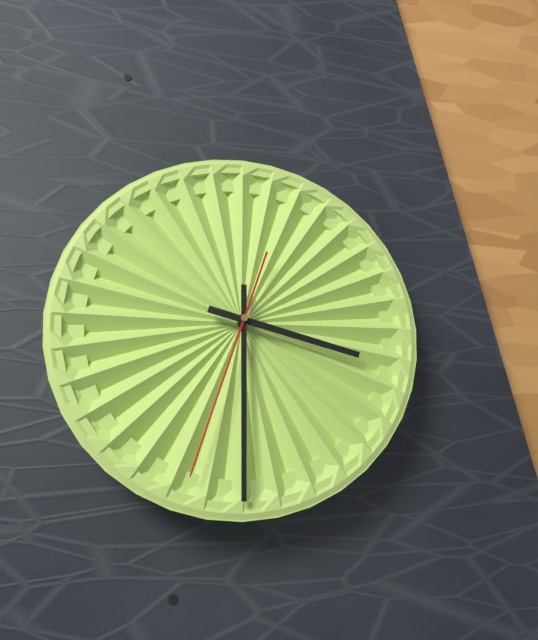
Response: 3:30:33
